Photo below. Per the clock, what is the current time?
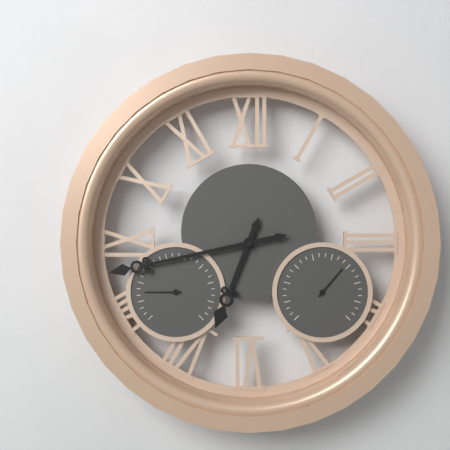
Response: 6:43
